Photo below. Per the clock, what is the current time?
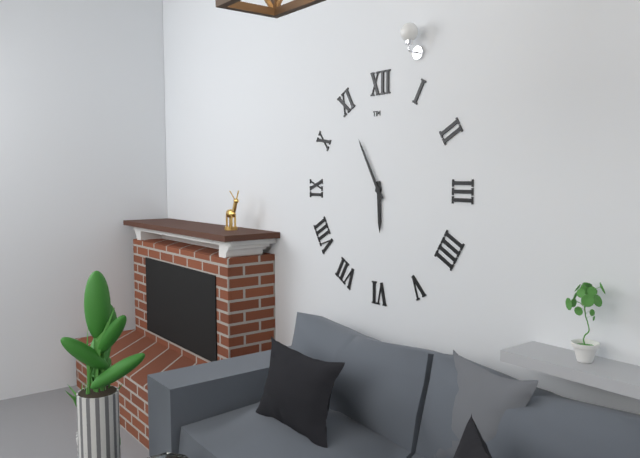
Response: 5:55
